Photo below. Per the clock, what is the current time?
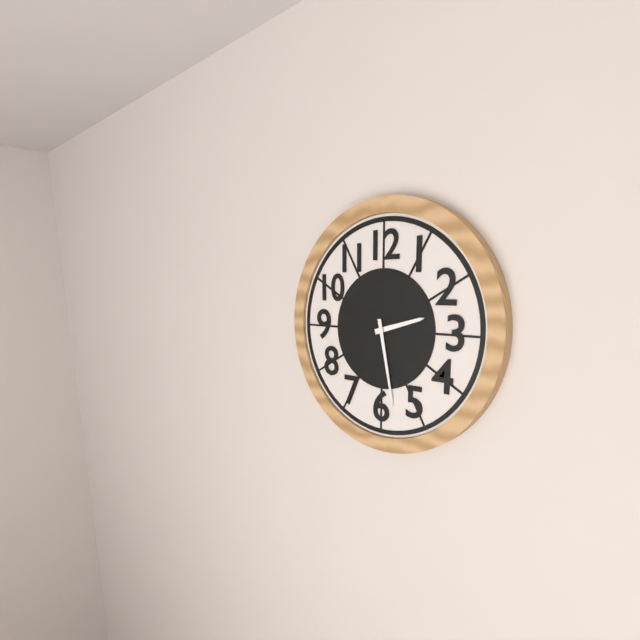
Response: 2:28
